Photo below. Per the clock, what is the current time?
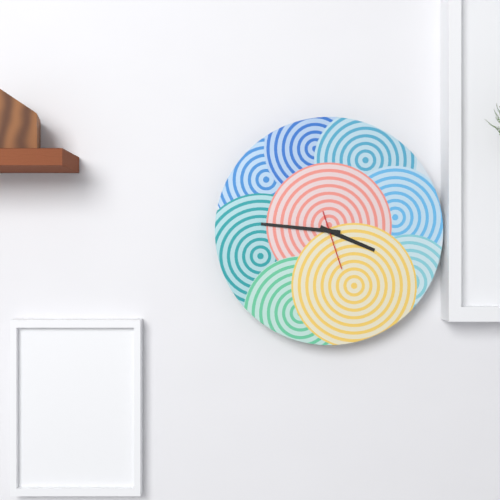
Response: 3:46
